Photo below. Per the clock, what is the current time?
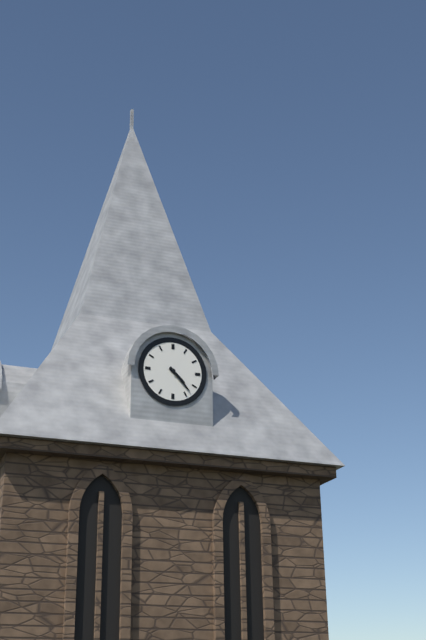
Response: 4:23
